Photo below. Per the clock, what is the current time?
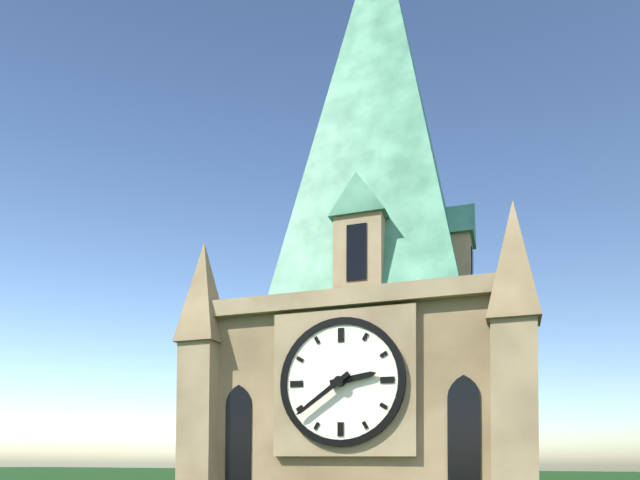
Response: 2:39
